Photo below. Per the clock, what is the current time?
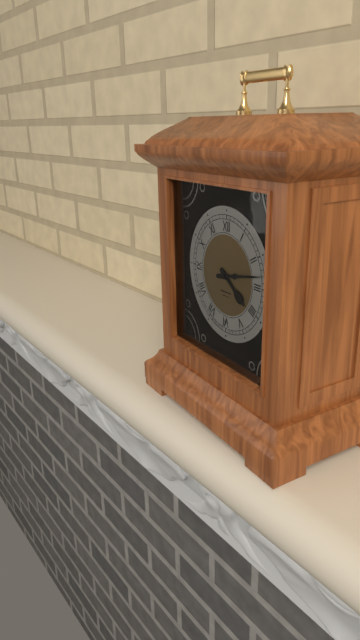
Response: 4:13
